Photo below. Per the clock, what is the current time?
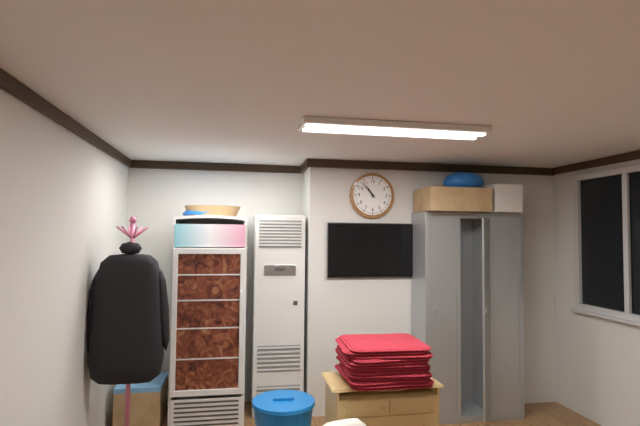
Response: 10:53
